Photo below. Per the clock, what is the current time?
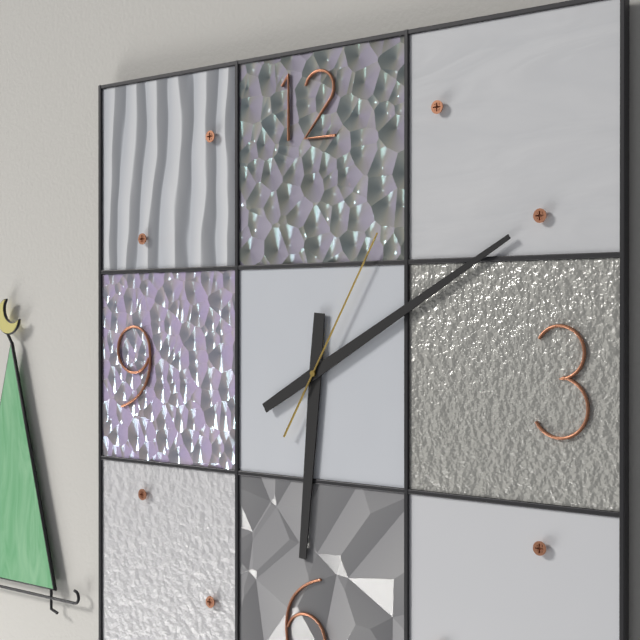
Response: 6:10:05
